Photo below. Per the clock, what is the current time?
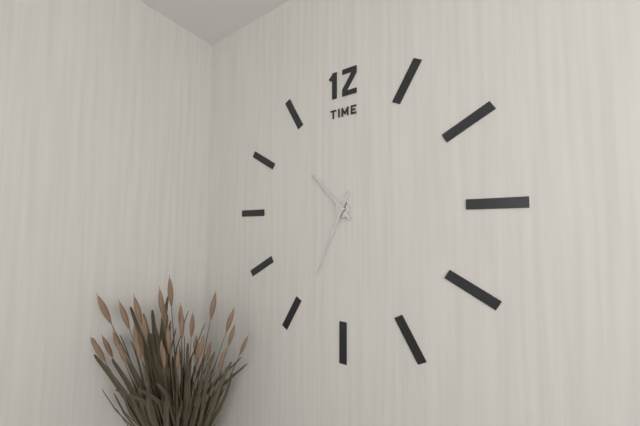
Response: 10:34
